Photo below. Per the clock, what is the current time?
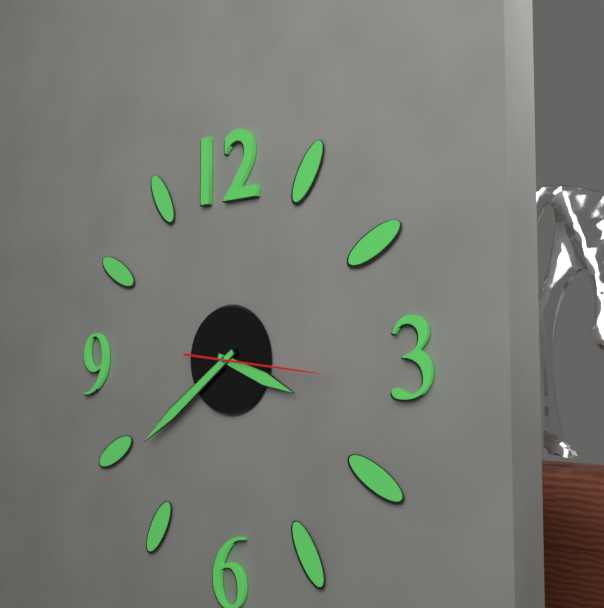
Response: 3:39:16
